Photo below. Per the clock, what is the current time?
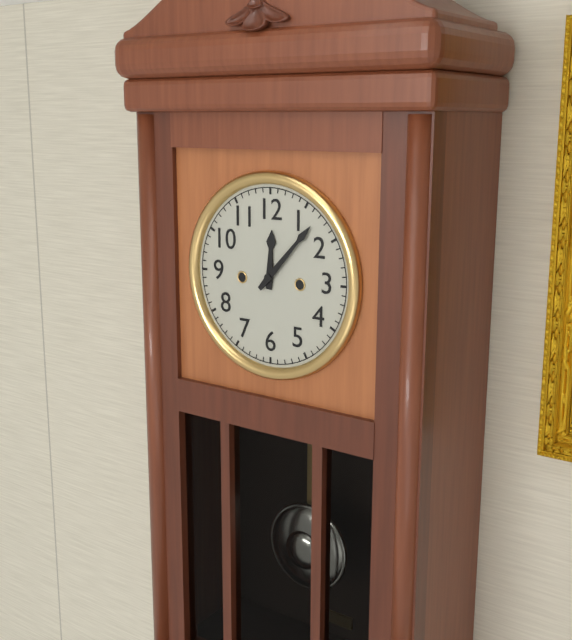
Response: 12:07
